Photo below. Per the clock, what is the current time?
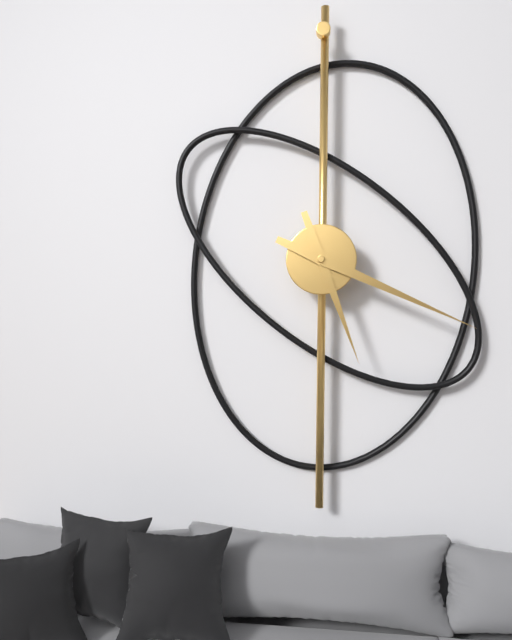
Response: 5:19
